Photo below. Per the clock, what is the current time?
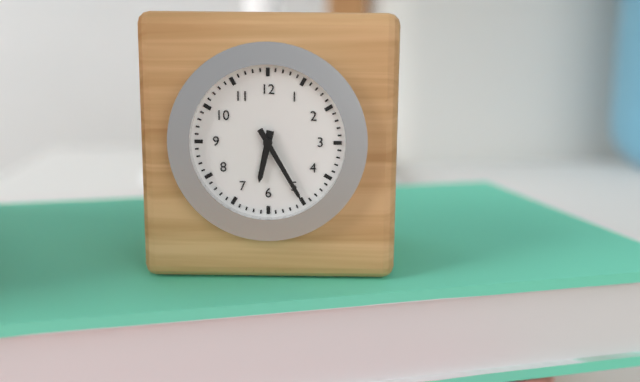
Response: 6:25
